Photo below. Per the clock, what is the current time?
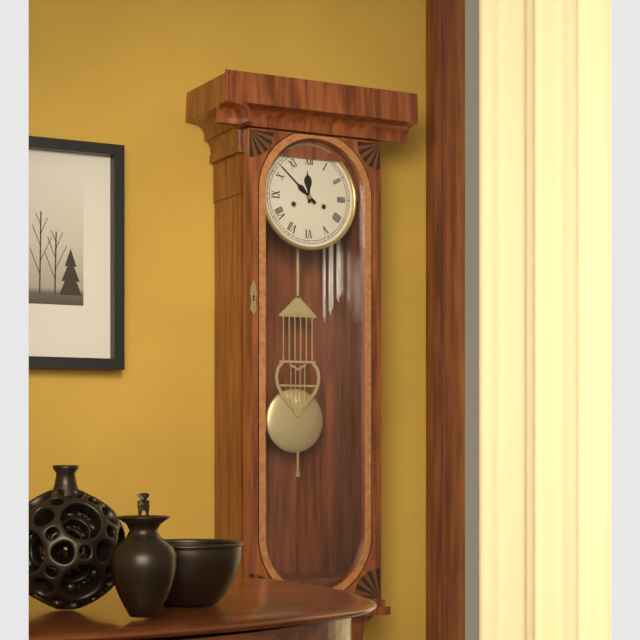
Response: 11:52
